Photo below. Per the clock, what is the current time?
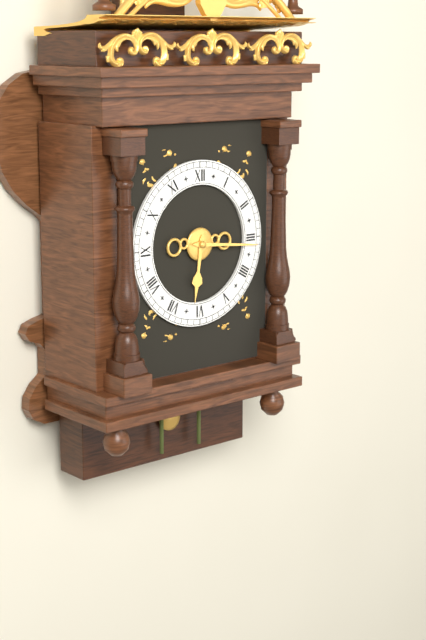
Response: 6:16
